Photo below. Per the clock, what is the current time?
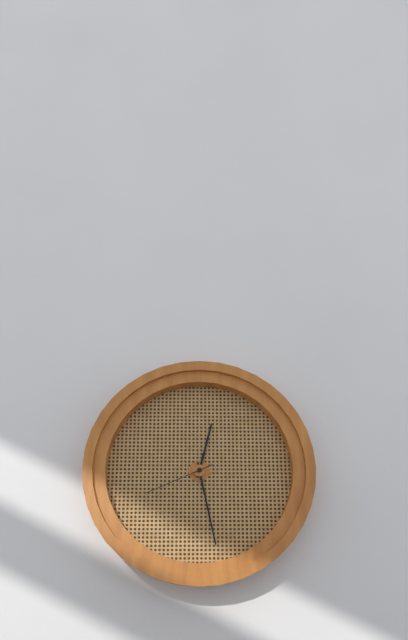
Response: 12:28:41
